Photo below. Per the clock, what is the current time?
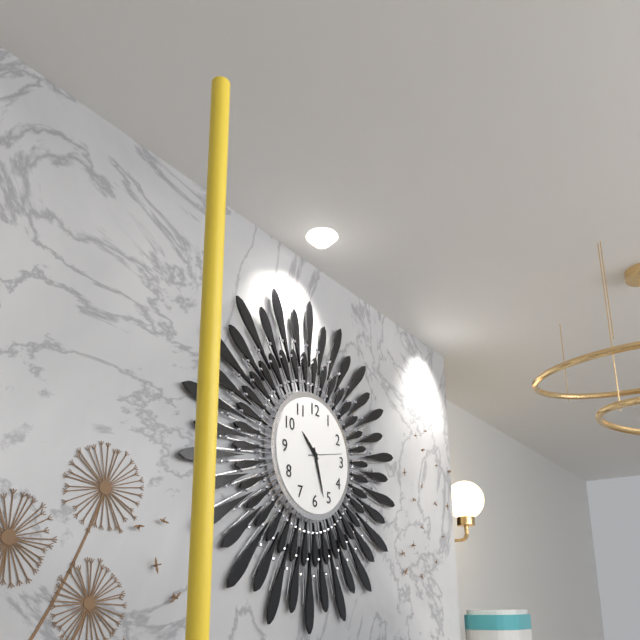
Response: 10:27
